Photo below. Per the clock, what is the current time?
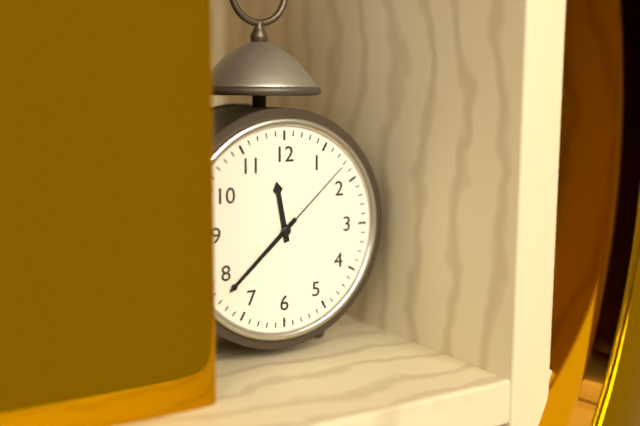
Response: 11:38:08
